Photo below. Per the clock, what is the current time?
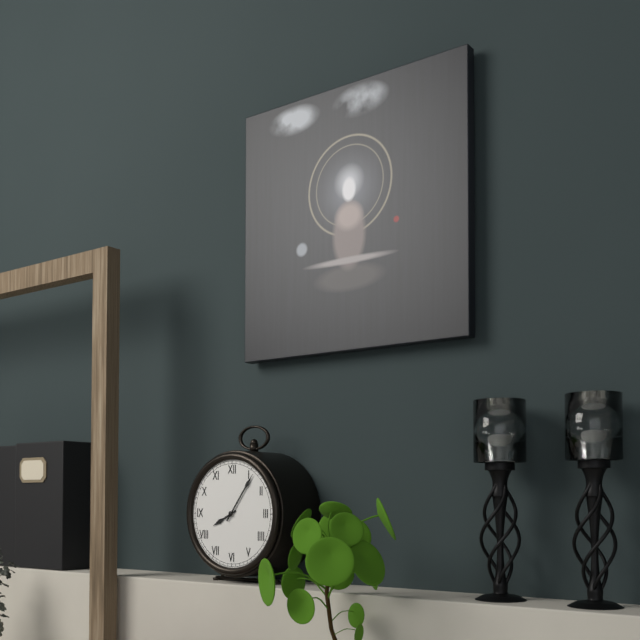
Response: 8:06
